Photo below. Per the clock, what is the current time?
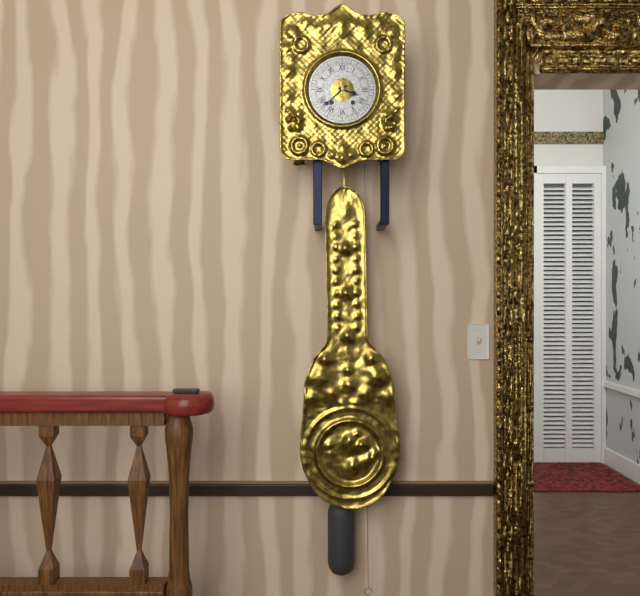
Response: 3:38
